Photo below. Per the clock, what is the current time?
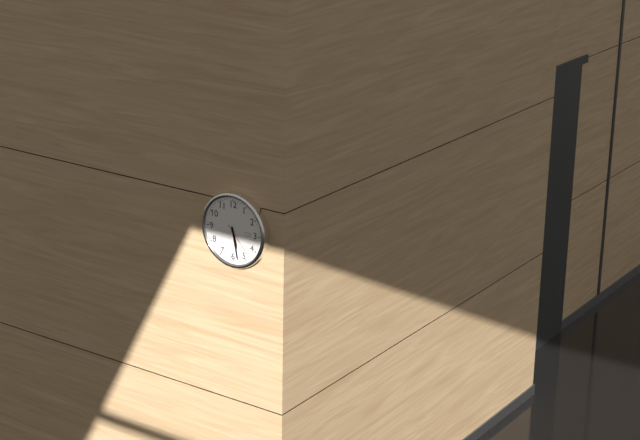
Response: 5:28
